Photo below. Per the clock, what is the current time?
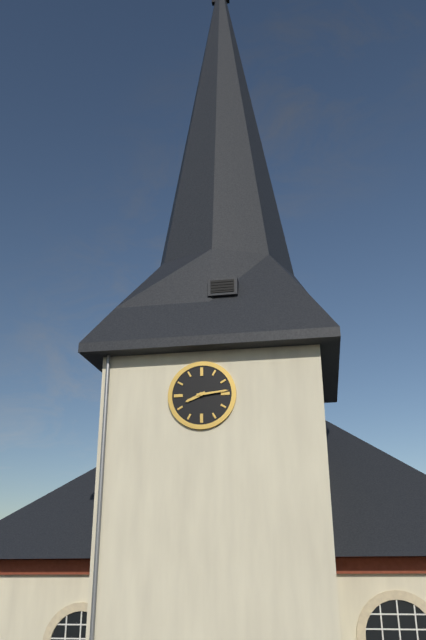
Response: 8:14
